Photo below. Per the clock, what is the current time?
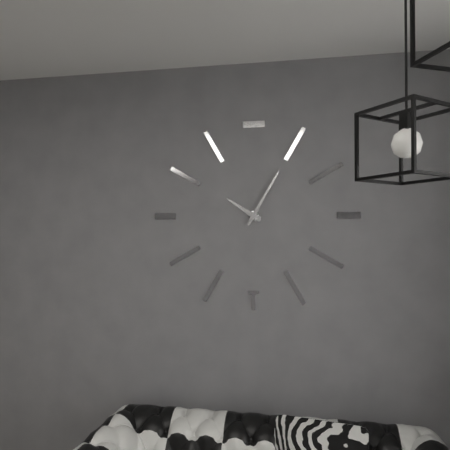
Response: 10:05
